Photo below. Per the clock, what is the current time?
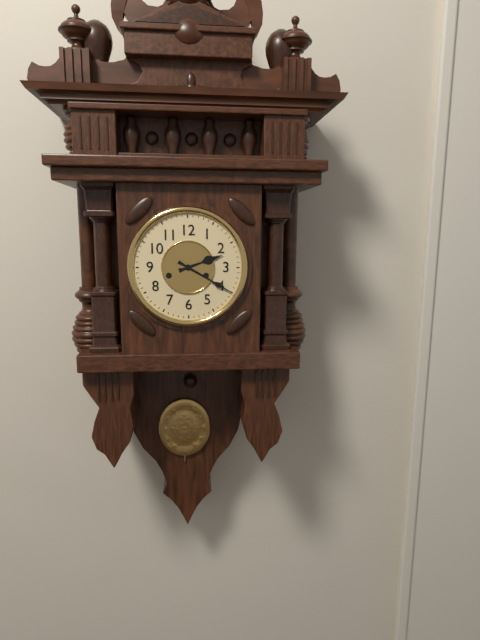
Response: 2:20
